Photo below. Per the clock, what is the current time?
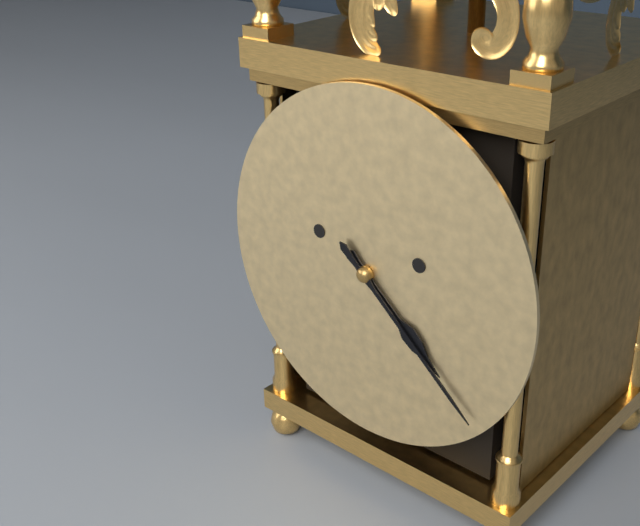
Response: 4:22
